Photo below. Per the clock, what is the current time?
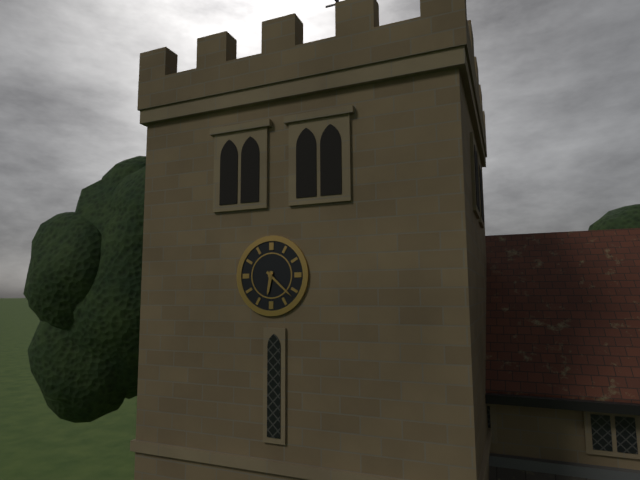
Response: 6:22
